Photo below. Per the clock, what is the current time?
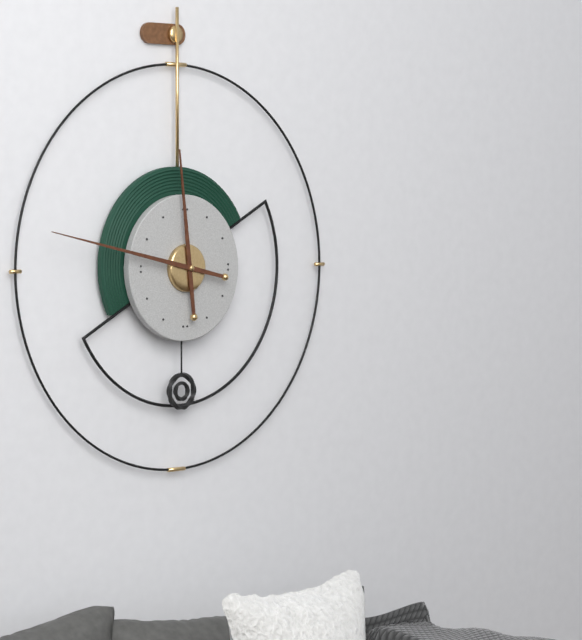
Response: 11:47
